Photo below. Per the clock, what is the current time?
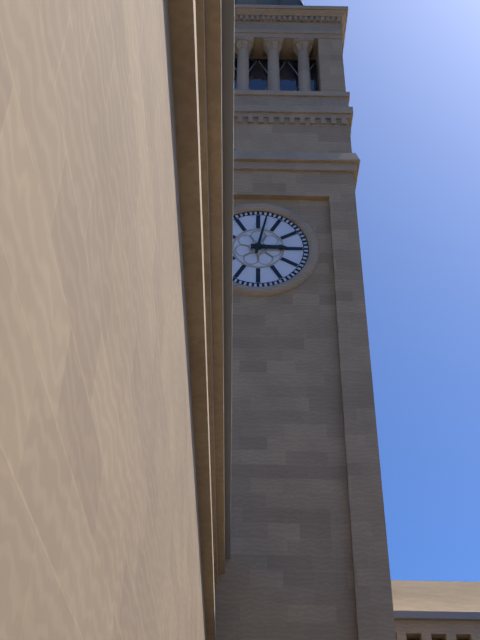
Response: 3:02
